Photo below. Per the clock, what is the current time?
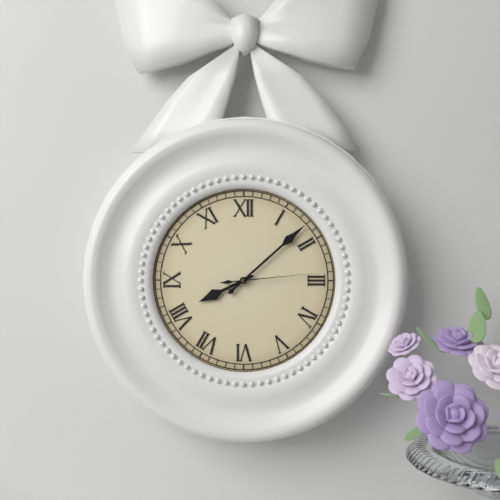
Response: 8:08:14
